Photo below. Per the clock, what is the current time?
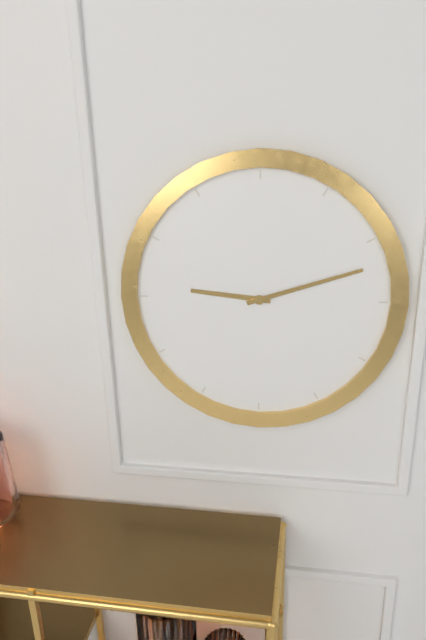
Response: 9:12
